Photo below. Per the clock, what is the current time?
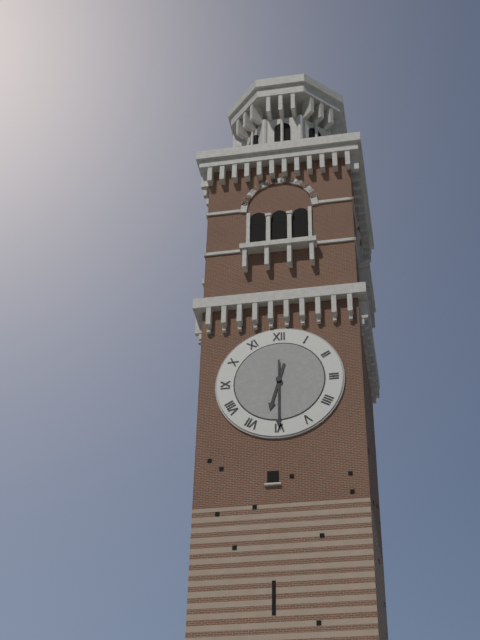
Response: 6:30
